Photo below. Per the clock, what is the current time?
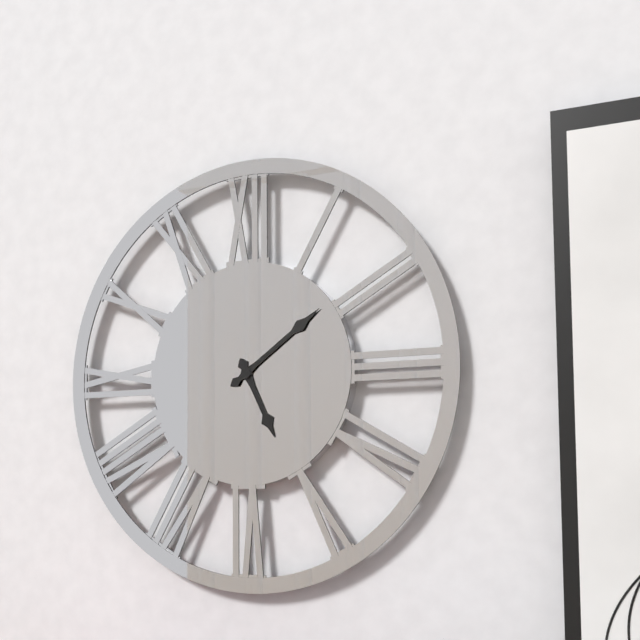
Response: 5:09
